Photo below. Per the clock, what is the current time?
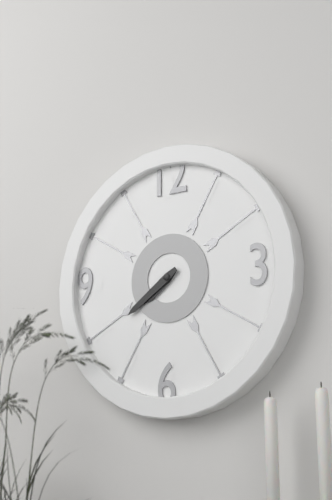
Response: 7:39
